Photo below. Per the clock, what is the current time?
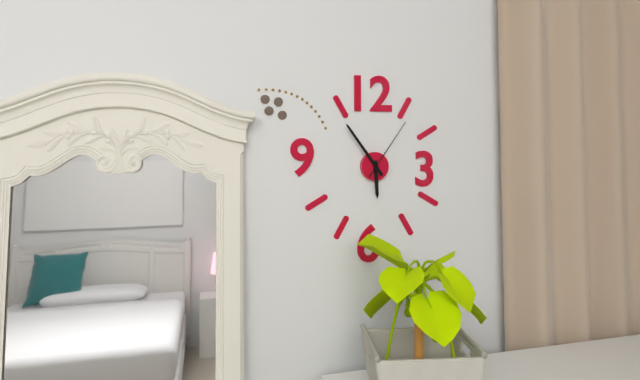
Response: 5:54:06
